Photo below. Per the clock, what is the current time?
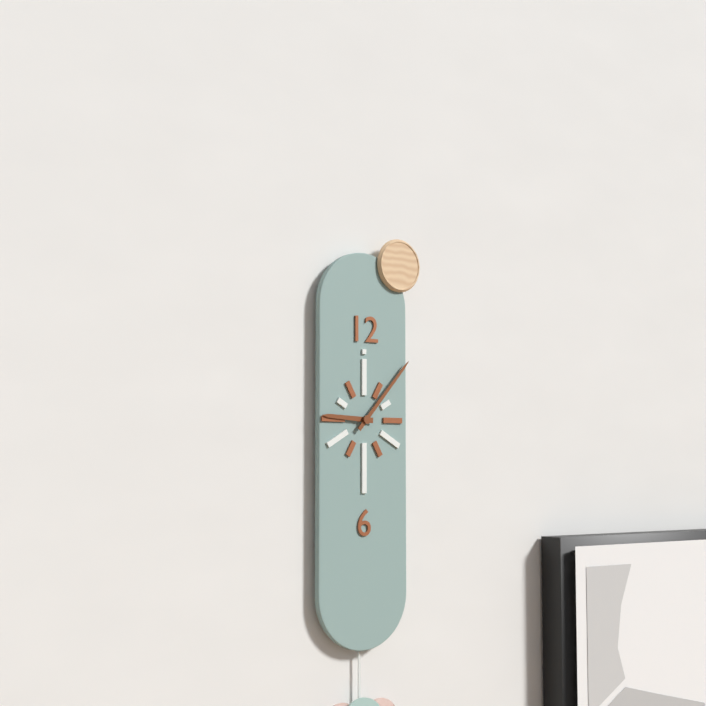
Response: 9:07
